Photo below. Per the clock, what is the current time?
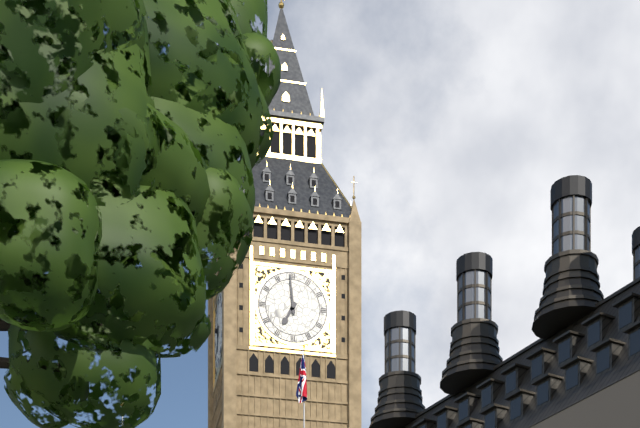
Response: 6:59
